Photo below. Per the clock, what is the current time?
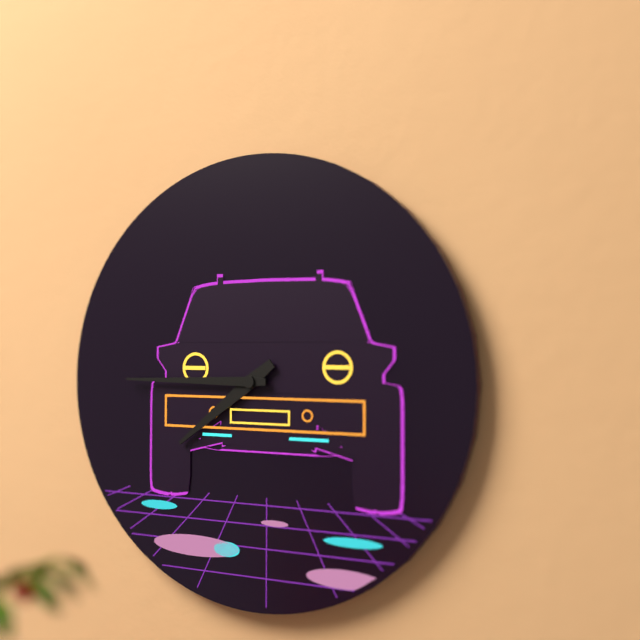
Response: 7:45
